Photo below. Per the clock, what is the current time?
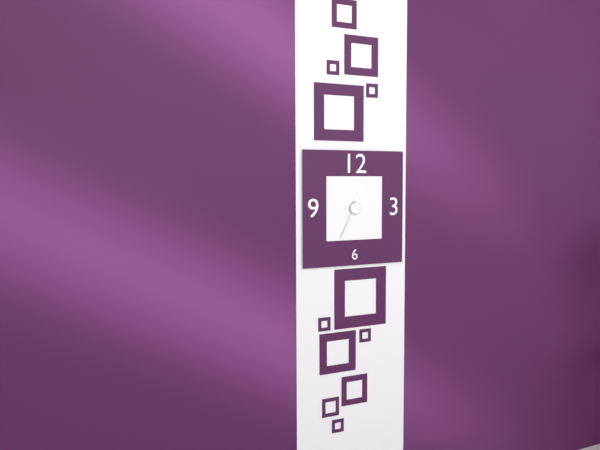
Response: 12:35
